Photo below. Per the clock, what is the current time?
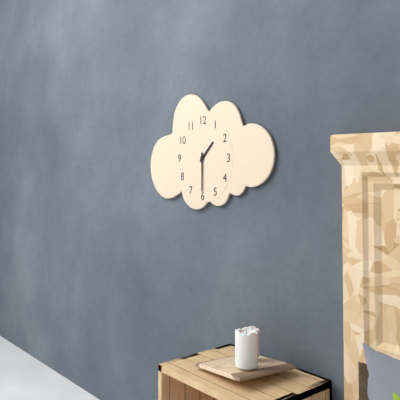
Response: 1:30
